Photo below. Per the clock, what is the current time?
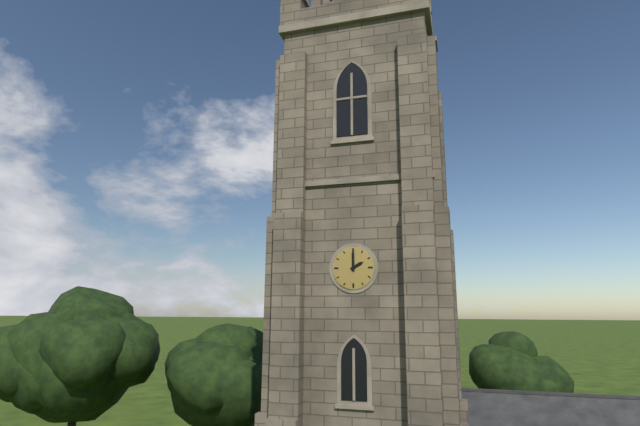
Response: 2:00
